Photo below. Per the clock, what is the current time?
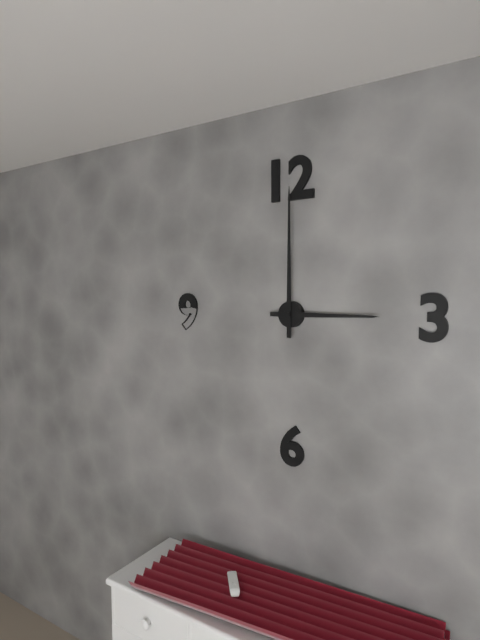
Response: 3:00
